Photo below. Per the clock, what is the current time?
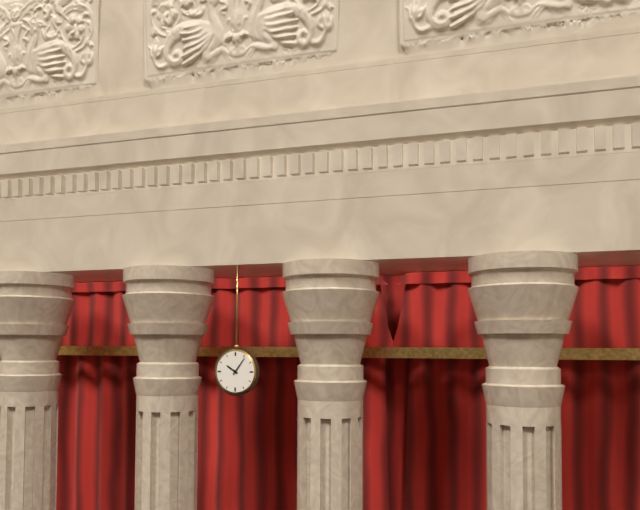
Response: 10:06
